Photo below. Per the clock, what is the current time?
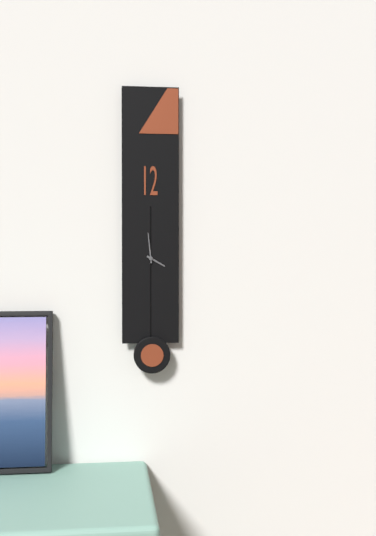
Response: 3:59
